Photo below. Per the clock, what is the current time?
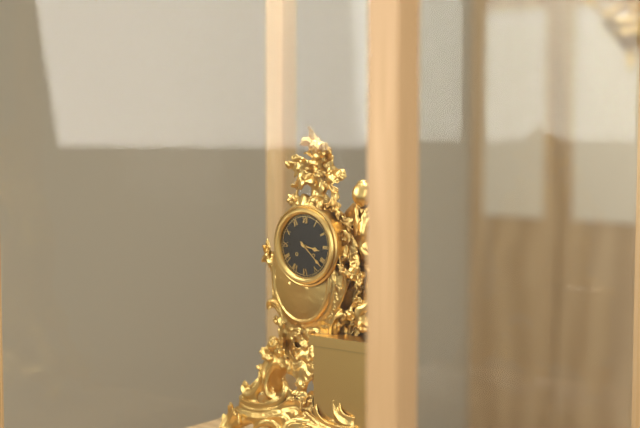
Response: 3:22
